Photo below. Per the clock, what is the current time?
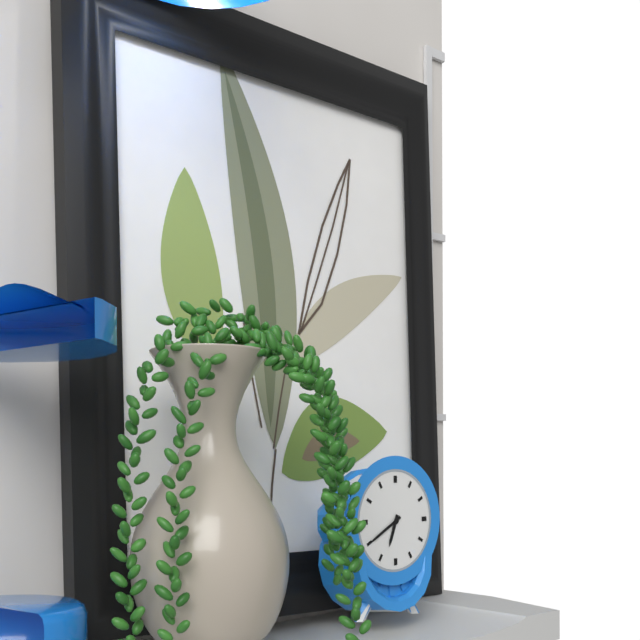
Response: 6:40
